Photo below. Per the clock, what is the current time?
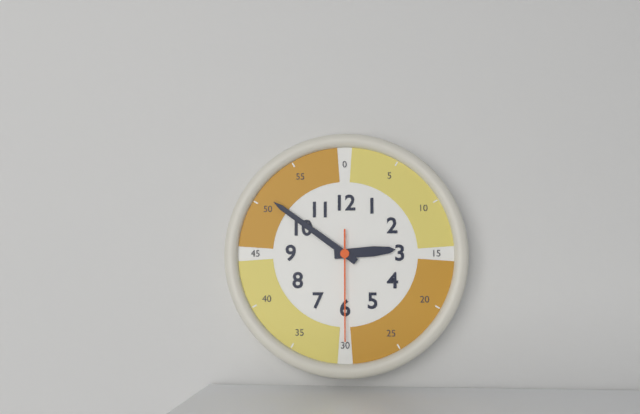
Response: 2:51:30
